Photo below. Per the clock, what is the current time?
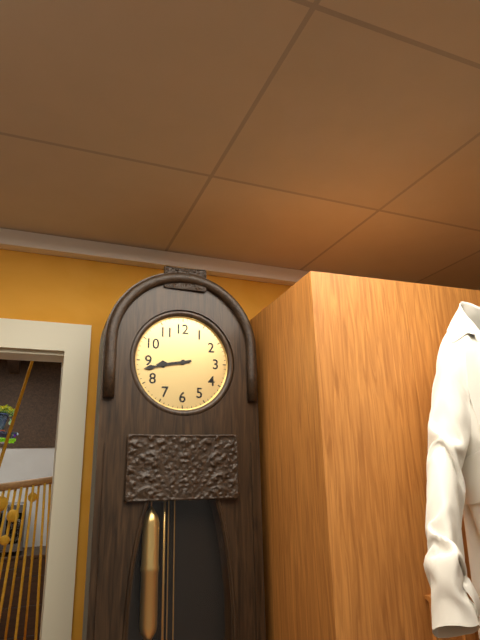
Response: 8:43
